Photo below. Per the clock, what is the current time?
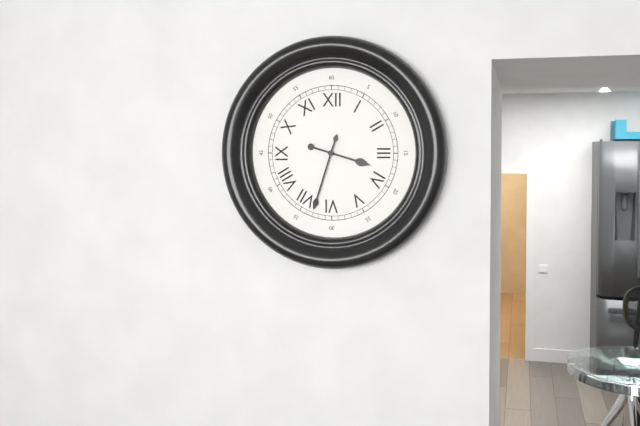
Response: 3:33
